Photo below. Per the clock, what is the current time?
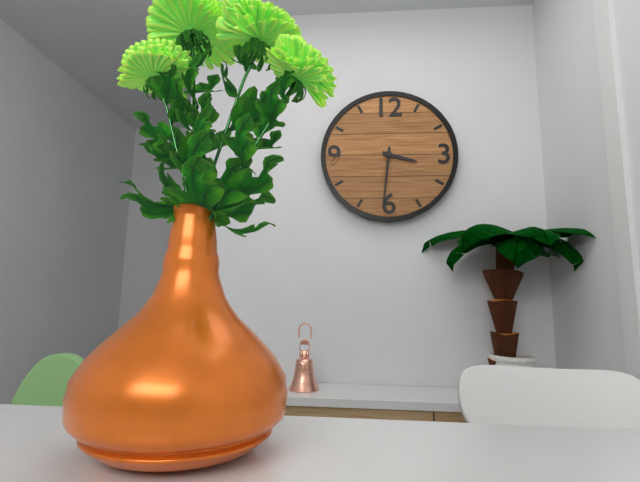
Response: 3:31
